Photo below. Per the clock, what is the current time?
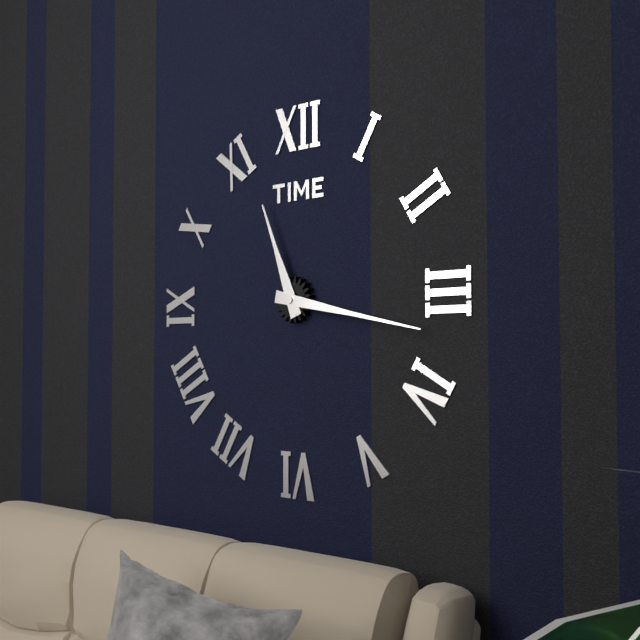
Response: 11:17
